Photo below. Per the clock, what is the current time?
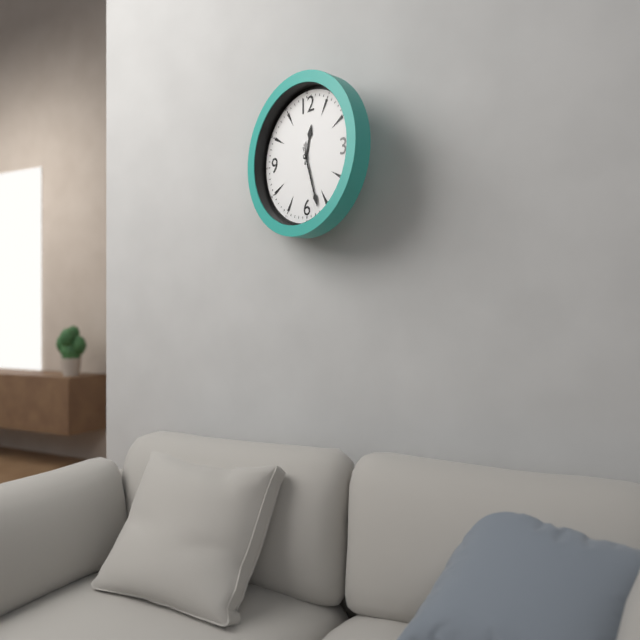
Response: 12:27:28
